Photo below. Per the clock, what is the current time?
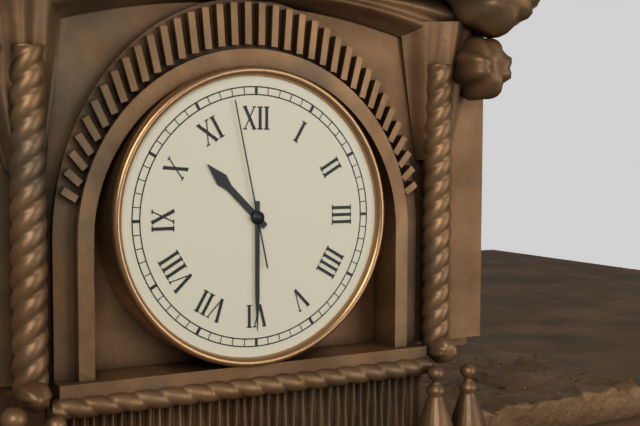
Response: 10:30:58
